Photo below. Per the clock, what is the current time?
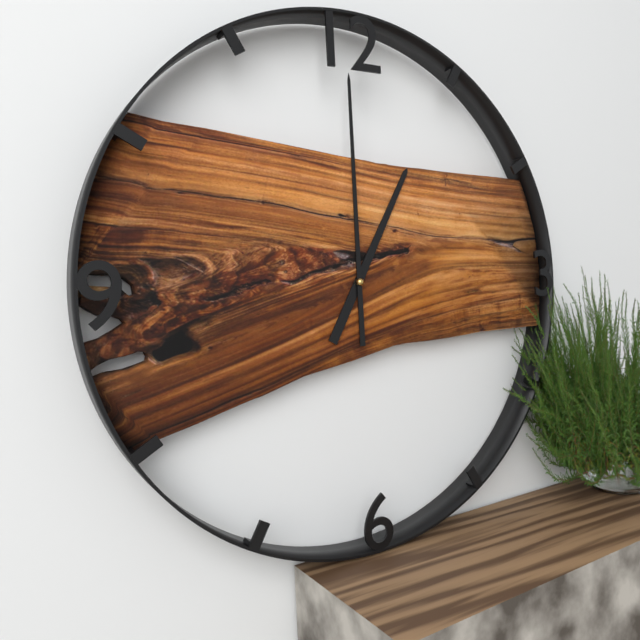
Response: 1:00
